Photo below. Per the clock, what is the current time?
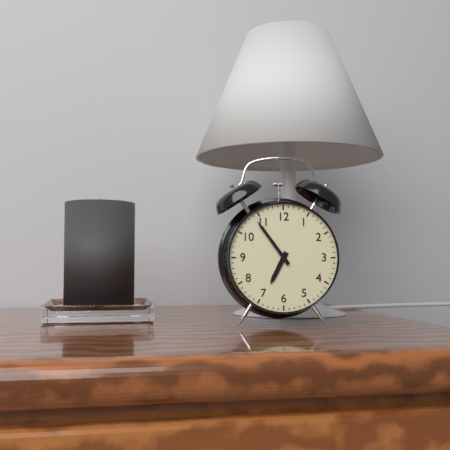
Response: 6:54
